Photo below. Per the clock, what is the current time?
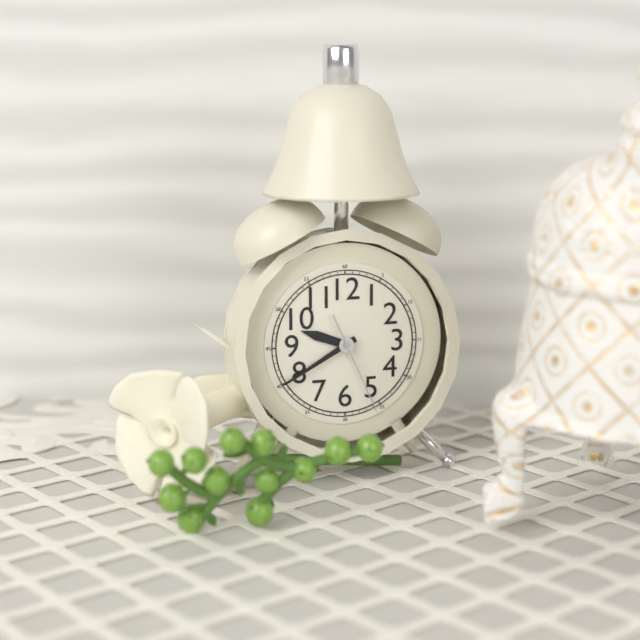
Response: 9:40:26
